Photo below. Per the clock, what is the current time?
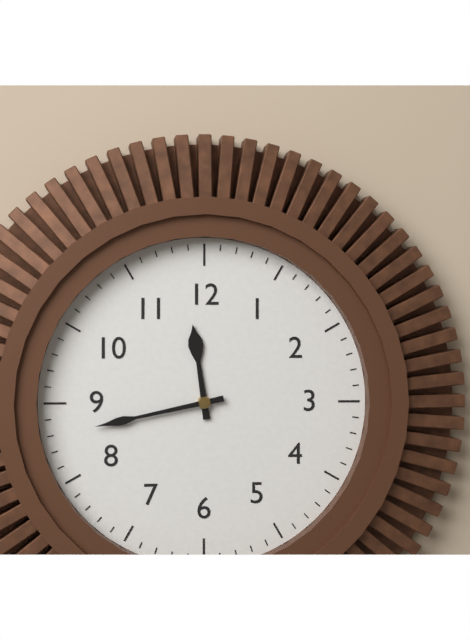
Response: 11:43
